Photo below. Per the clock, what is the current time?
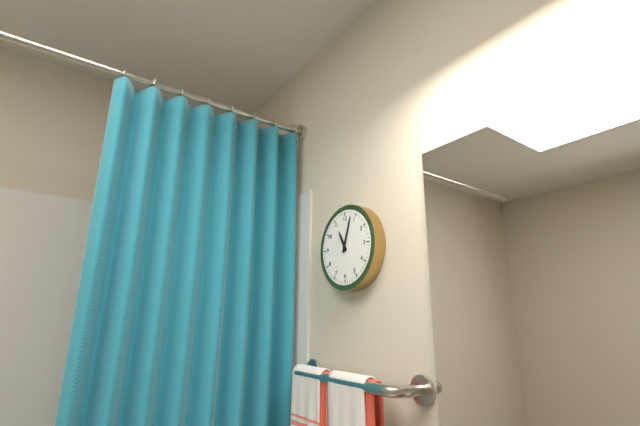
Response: 11:03
